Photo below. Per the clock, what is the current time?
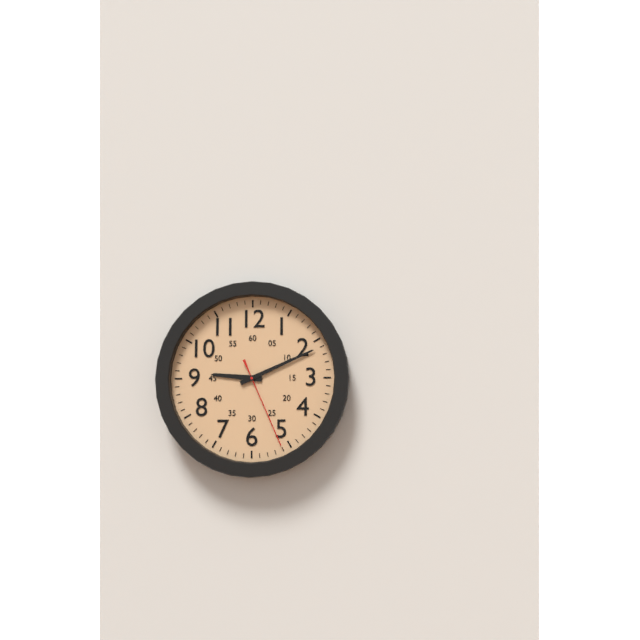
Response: 9:11:26
